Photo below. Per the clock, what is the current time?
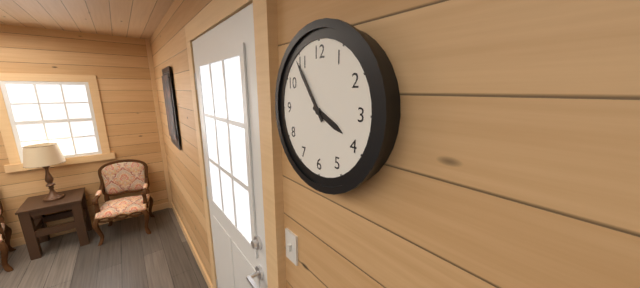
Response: 3:54
